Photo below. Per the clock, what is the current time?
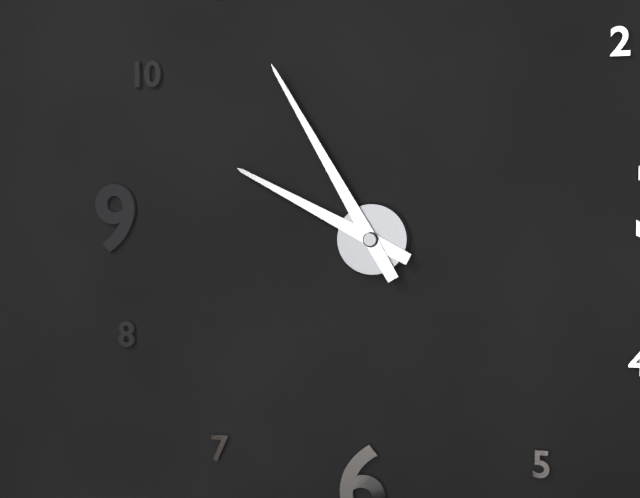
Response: 9:55
